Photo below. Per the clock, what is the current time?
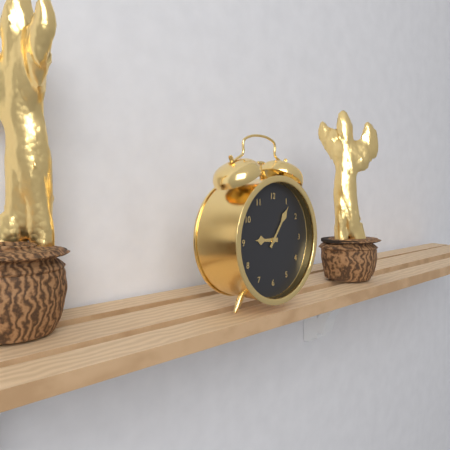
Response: 9:06
